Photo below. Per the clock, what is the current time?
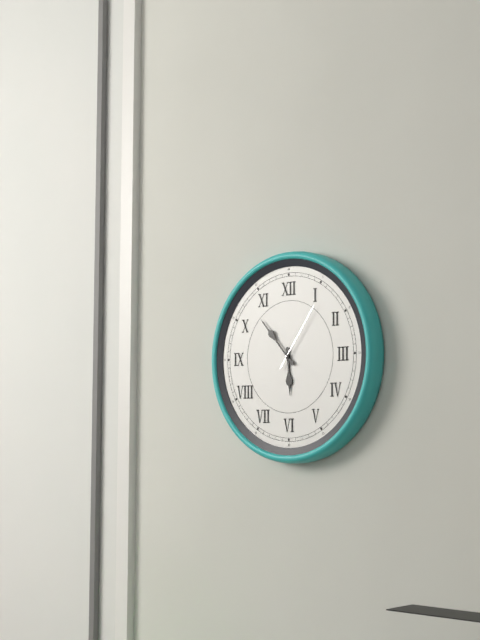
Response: 5:53:06
